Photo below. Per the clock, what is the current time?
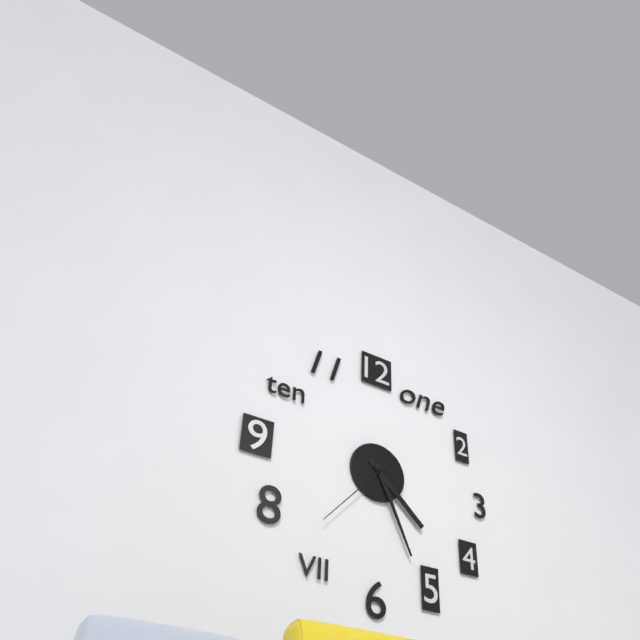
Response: 4:26:37
